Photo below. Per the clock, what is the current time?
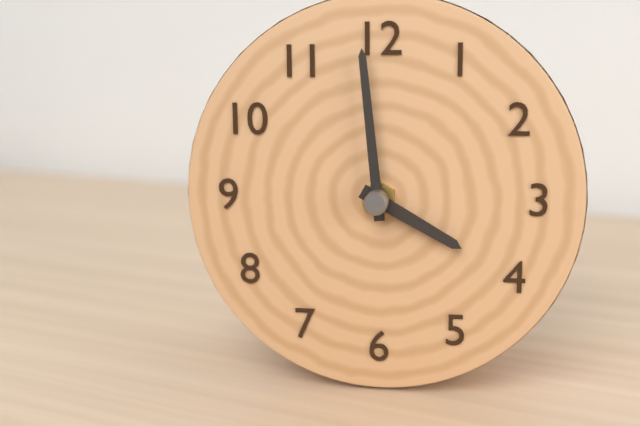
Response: 3:59
